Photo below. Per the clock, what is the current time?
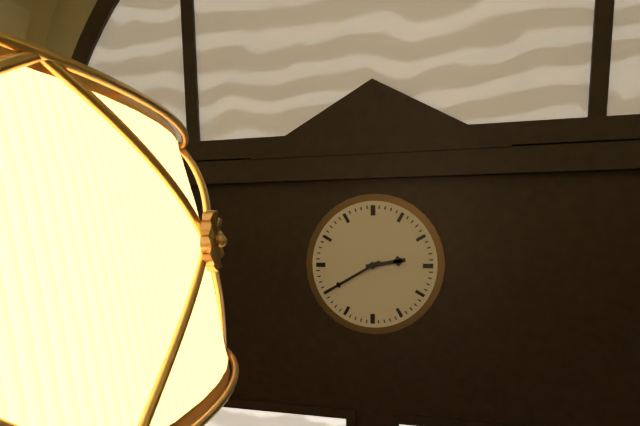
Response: 2:40
